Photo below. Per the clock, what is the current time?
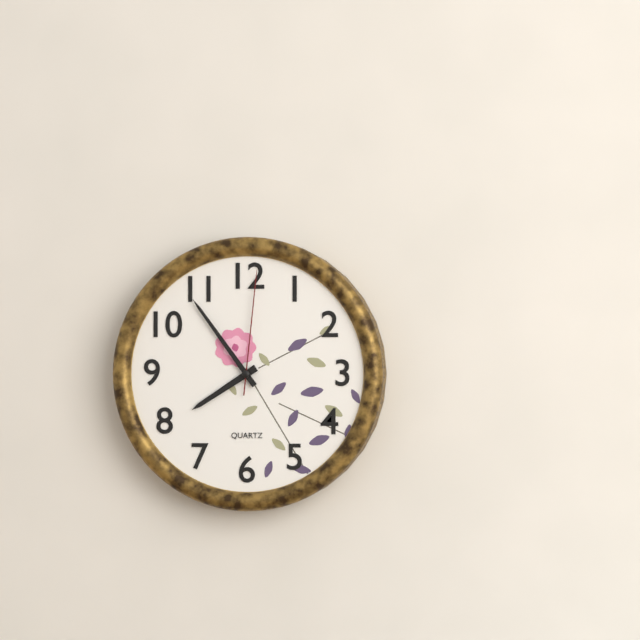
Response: 7:54:01
